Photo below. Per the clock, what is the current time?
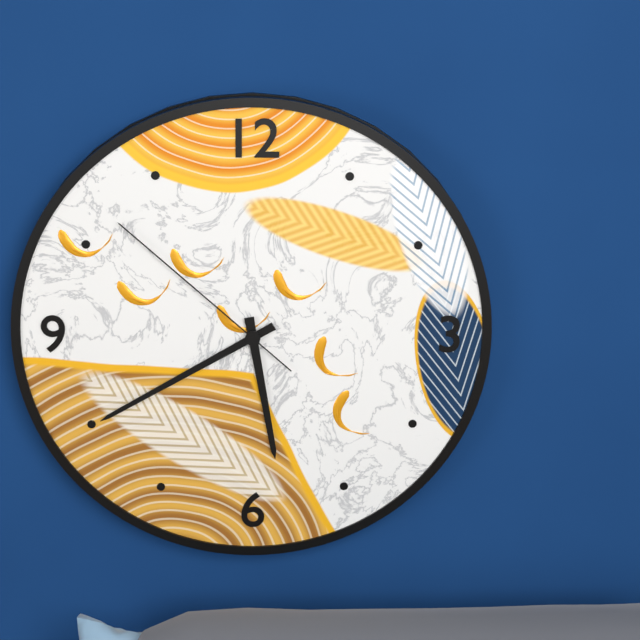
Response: 5:40:52
